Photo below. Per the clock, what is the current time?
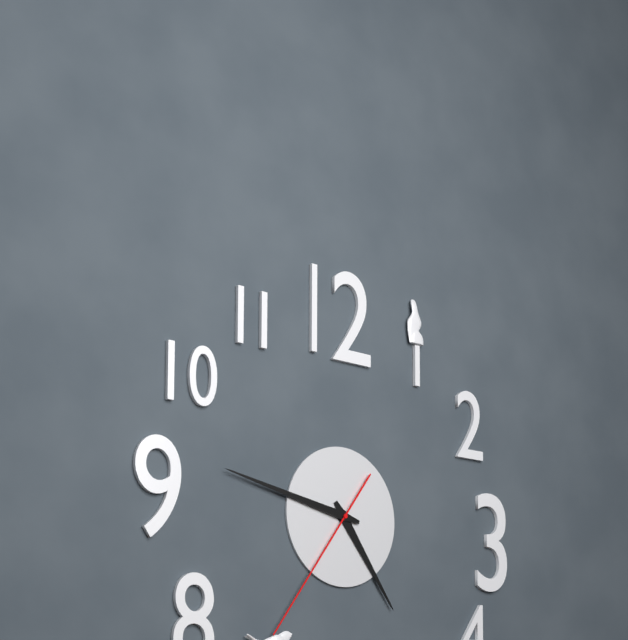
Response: 4:47:36
